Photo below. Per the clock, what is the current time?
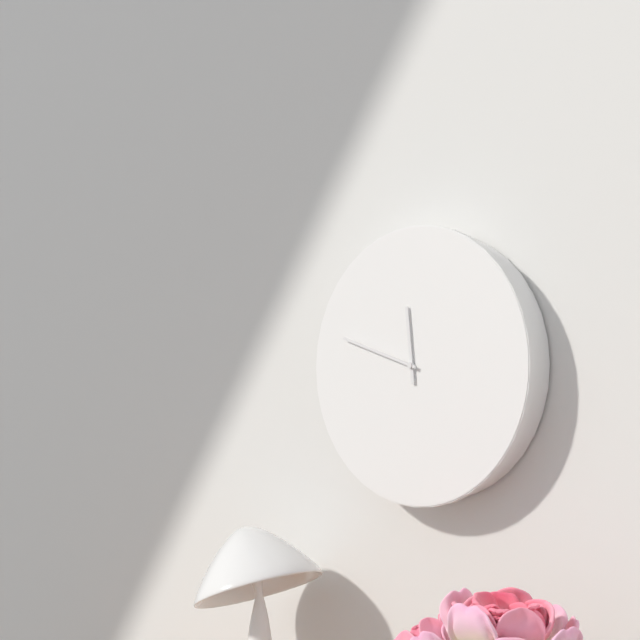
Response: 11:48
